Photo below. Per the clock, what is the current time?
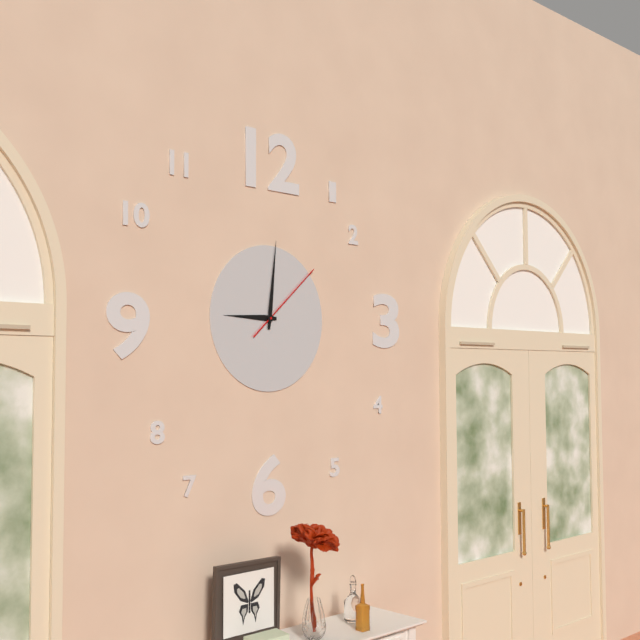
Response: 9:01:08
